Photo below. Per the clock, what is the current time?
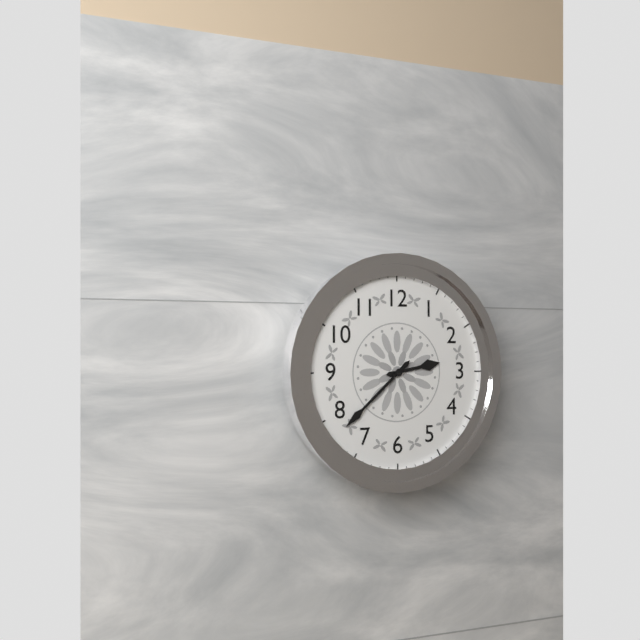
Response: 2:38
